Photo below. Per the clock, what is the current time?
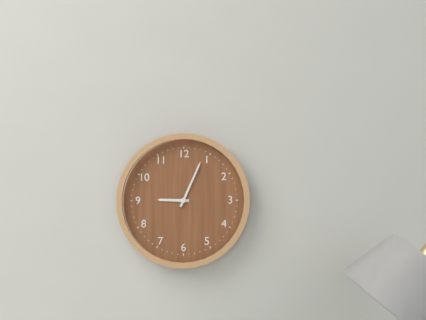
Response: 9:04
